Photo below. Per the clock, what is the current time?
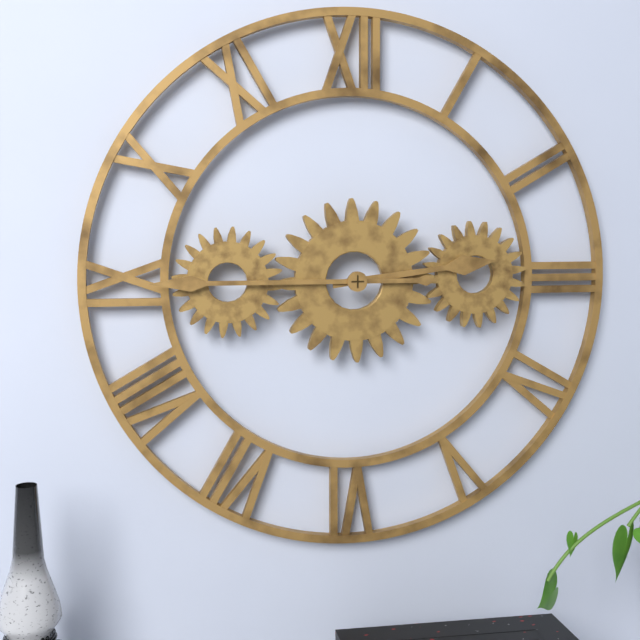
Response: 2:45
